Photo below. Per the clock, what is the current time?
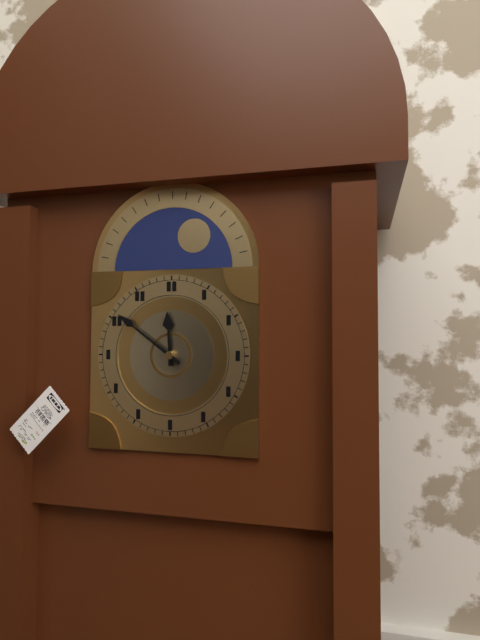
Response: 11:51
